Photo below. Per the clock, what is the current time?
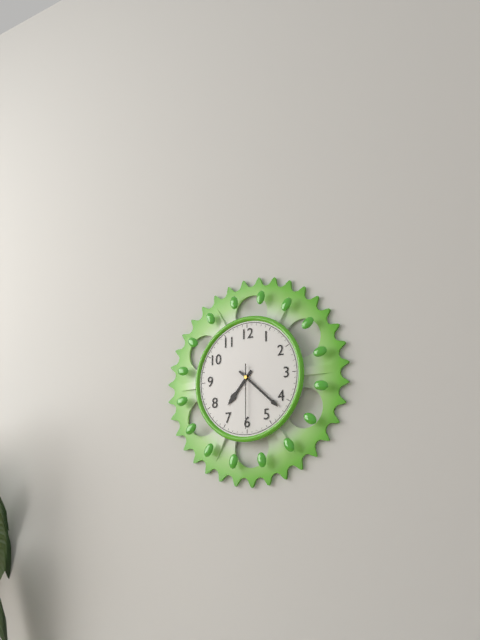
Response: 7:22:30
